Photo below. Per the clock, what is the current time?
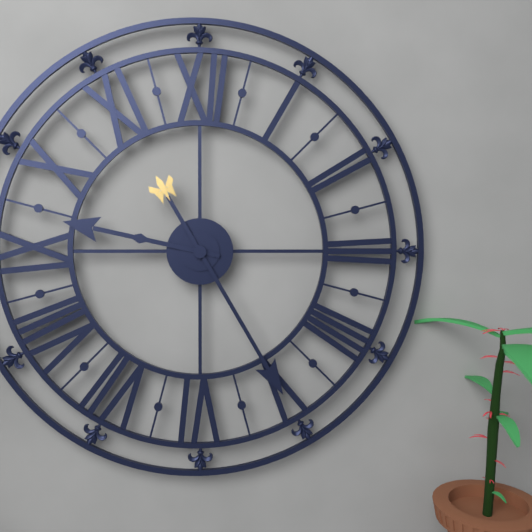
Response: 9:25
